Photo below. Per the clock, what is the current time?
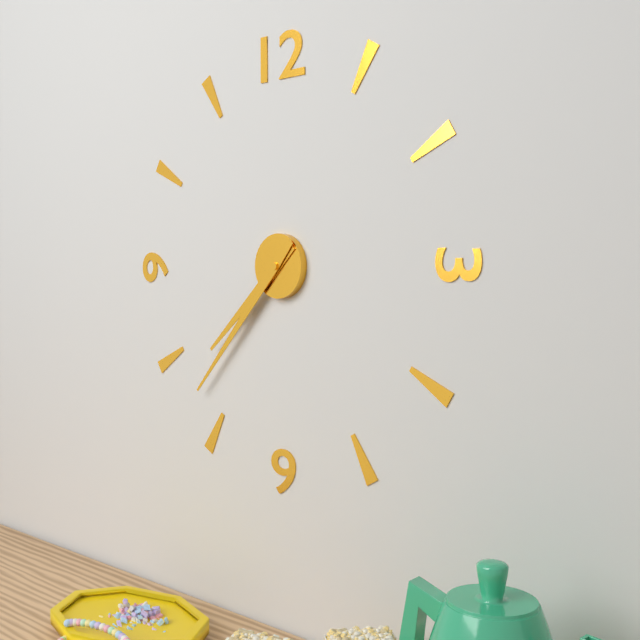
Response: 7:37
